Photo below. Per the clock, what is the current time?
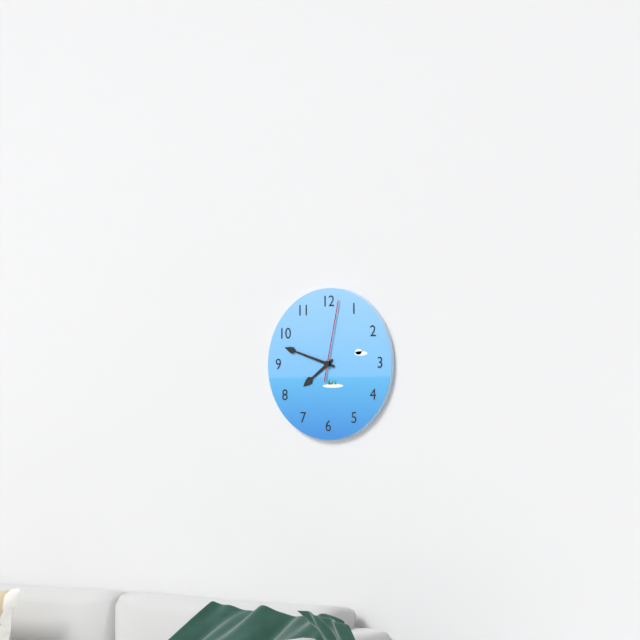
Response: 7:48:02
